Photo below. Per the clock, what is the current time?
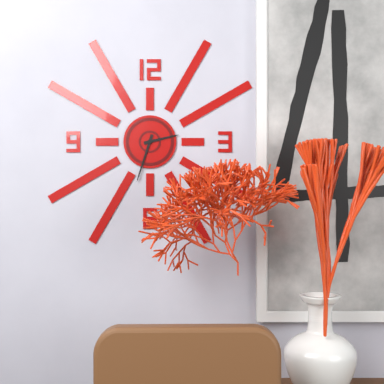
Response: 2:33
